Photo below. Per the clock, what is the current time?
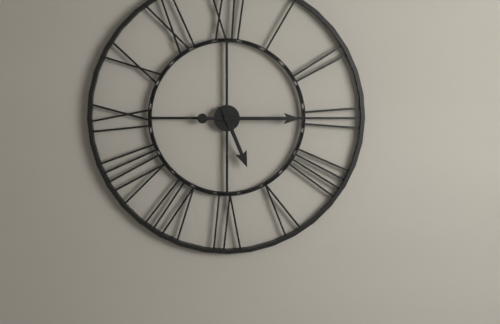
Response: 5:15
